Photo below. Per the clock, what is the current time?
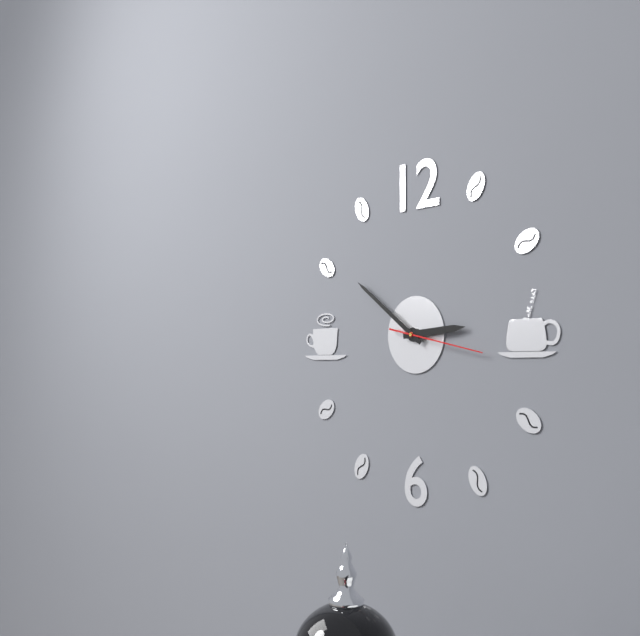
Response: 2:51:17
